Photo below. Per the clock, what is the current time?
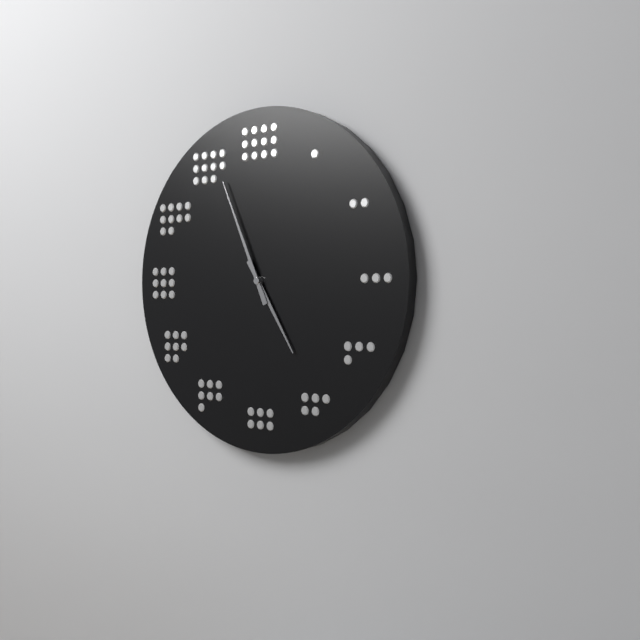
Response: 4:56
